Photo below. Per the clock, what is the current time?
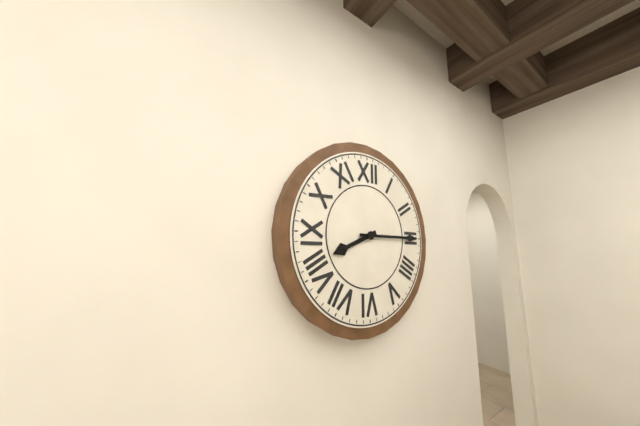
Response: 8:15
